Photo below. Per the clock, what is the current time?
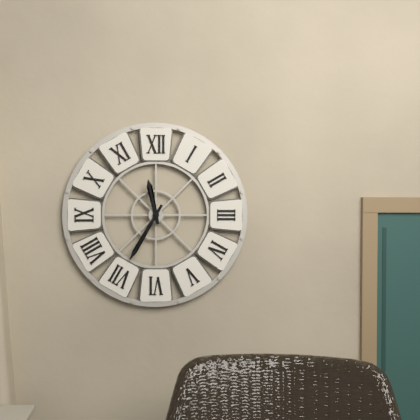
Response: 11:35
